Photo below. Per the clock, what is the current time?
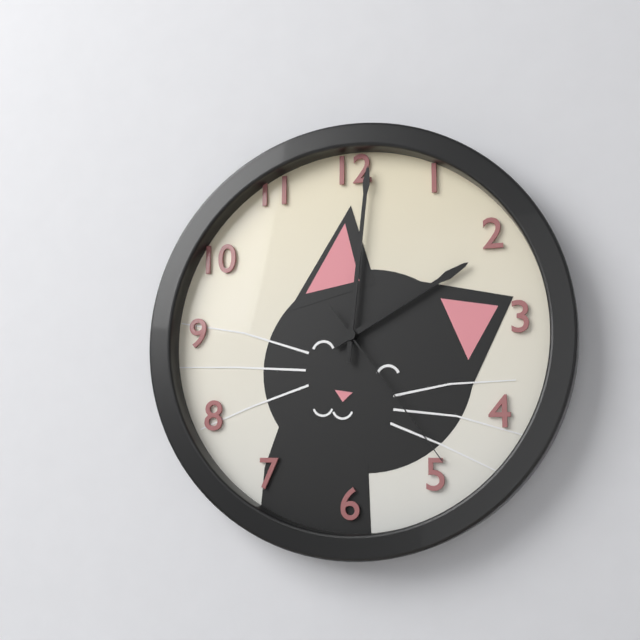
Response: 2:01:24
